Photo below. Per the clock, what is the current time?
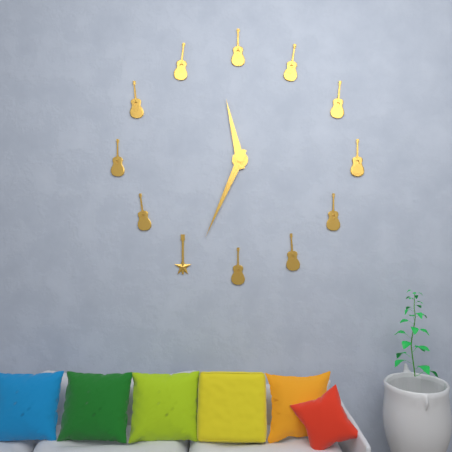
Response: 11:34
